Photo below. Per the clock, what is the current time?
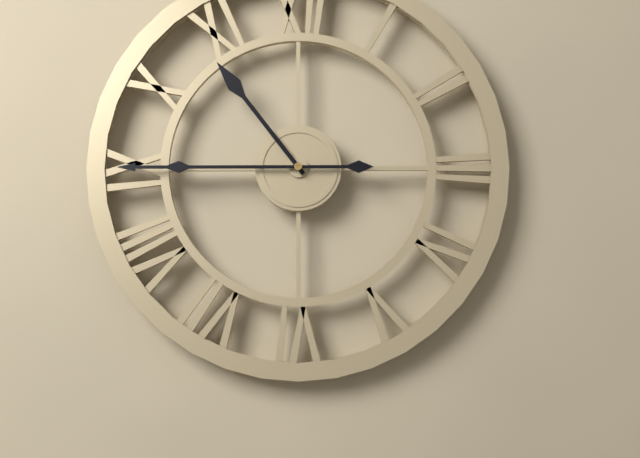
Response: 10:45
